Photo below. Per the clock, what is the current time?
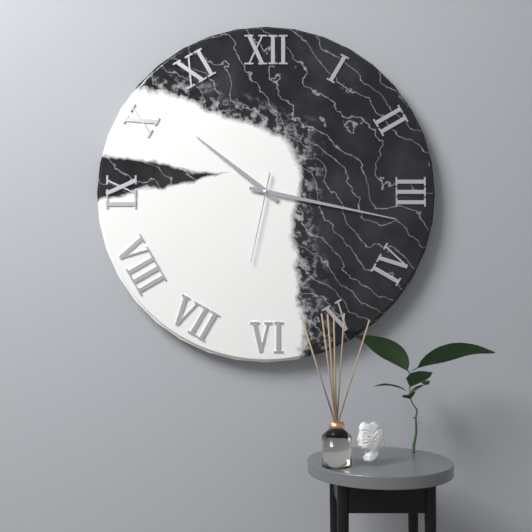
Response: 10:17:32
